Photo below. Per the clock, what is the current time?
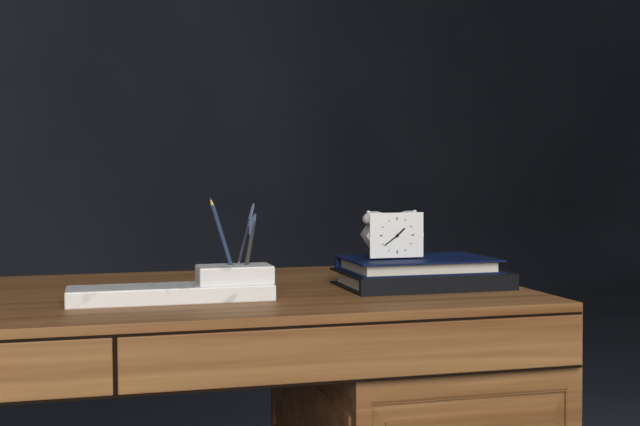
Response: 1:39
